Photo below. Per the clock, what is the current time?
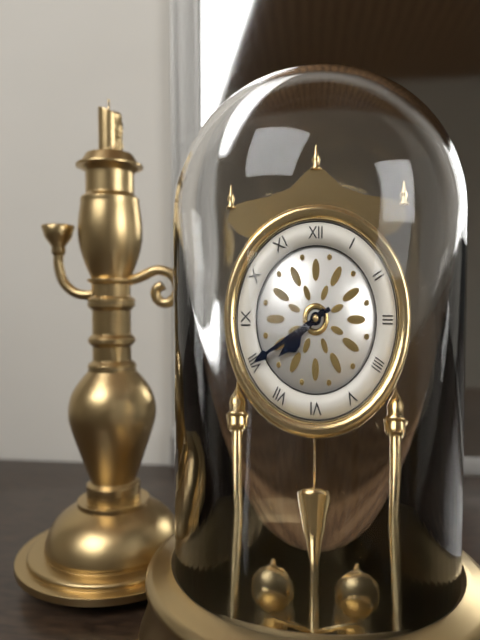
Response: 7:40
